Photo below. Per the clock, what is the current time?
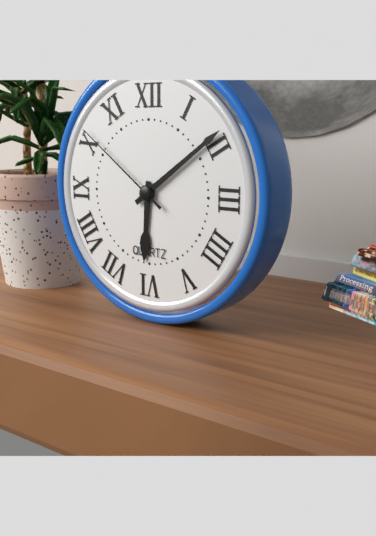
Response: 6:09:51
